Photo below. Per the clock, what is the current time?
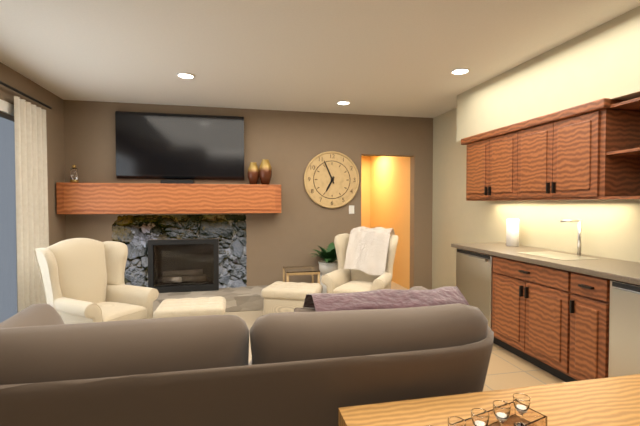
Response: 6:56
